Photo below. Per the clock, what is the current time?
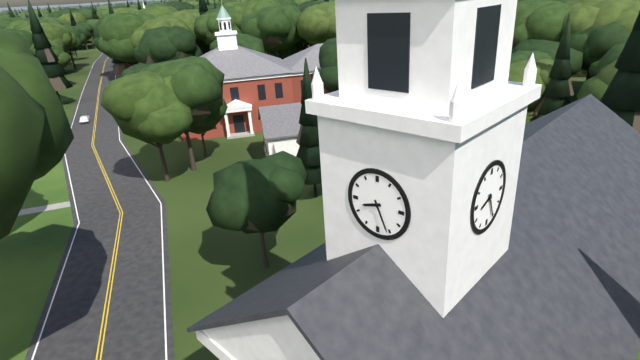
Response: 8:26
